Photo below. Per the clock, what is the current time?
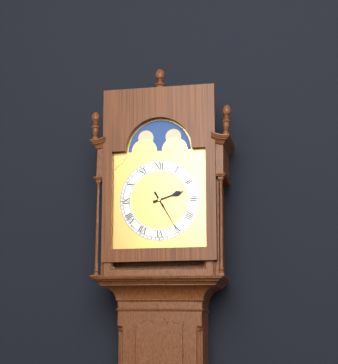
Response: 2:25
